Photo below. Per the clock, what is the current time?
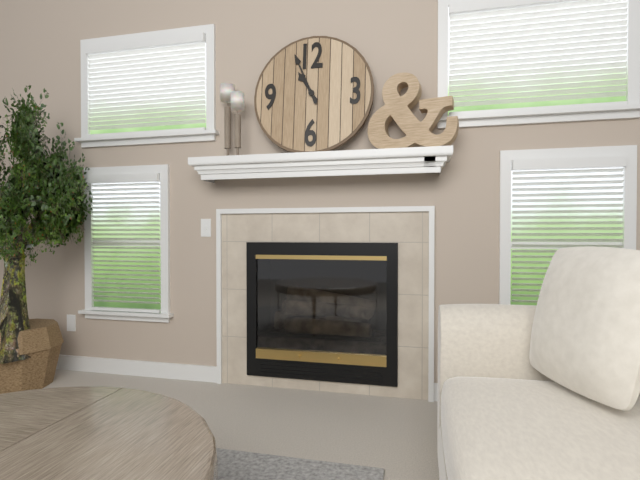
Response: 10:56
